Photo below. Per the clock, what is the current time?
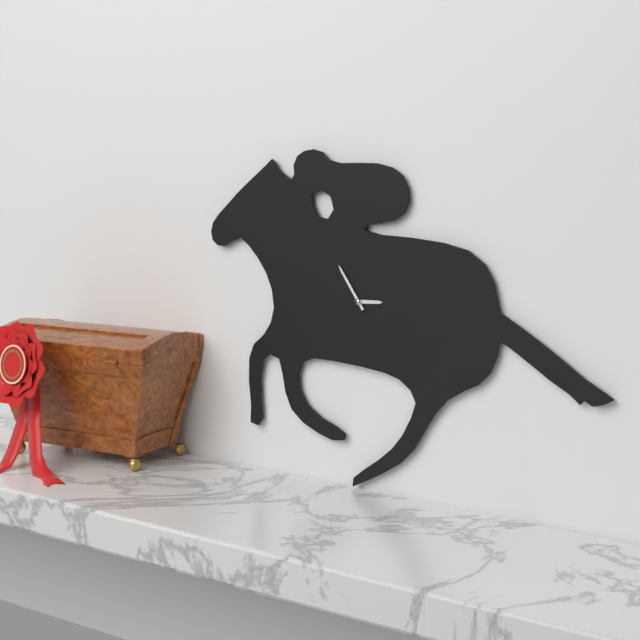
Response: 2:54
